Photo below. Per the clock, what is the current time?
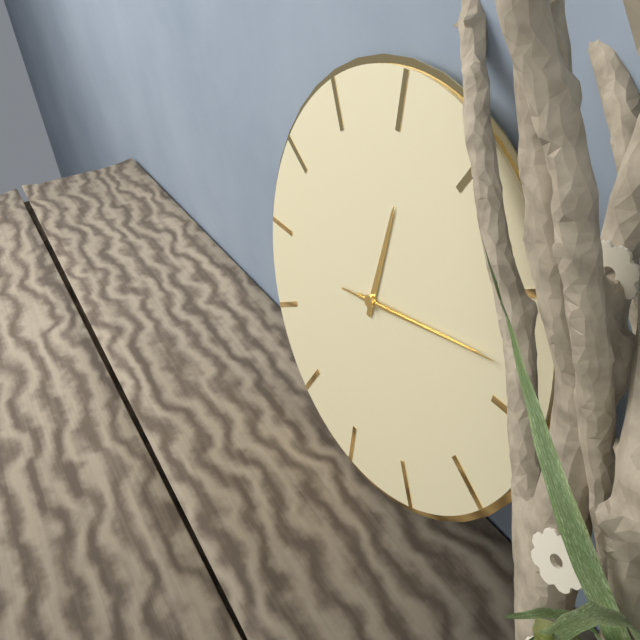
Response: 12:13:13
